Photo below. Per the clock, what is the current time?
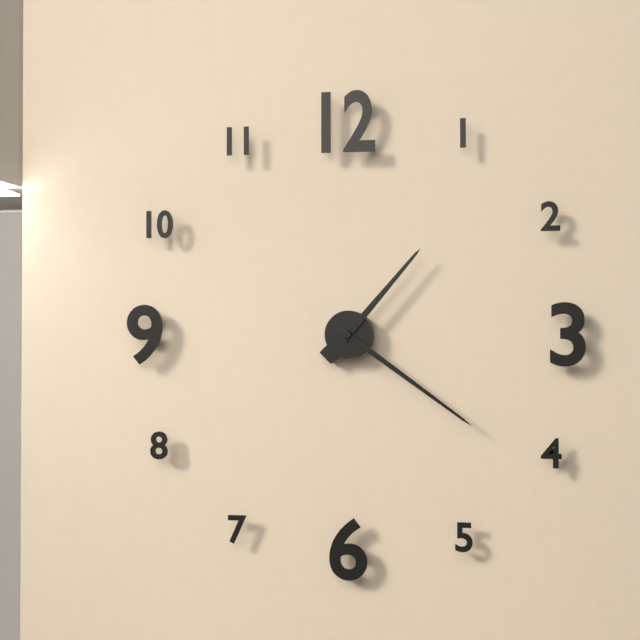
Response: 1:21
